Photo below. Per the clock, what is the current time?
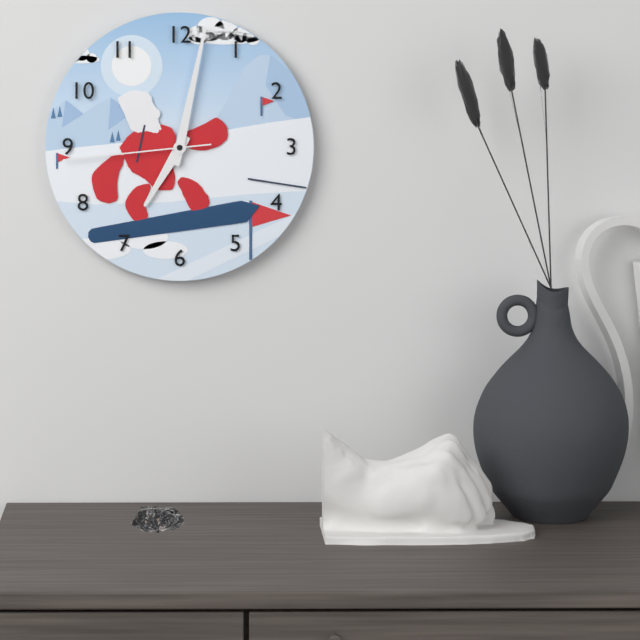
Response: 7:02:44
